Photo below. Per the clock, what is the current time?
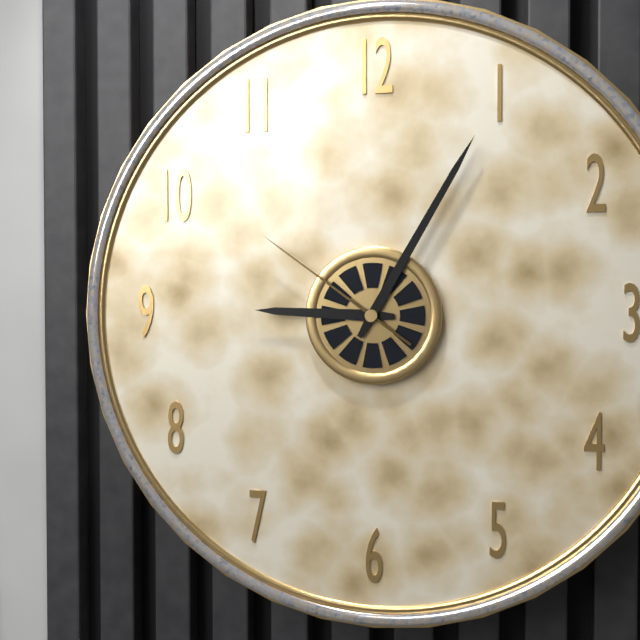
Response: 9:05:51
